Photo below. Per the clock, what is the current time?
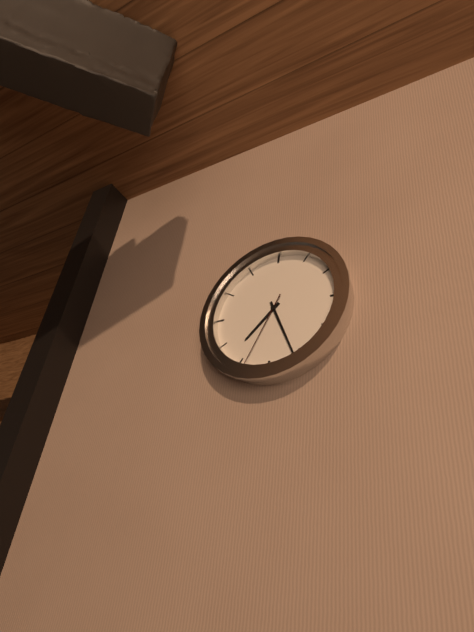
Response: 7:26:34
